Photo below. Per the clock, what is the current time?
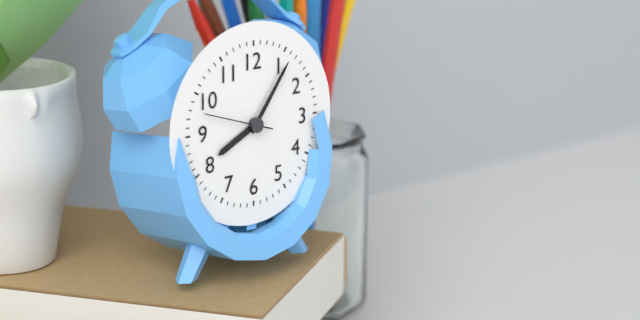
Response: 8:06:48
